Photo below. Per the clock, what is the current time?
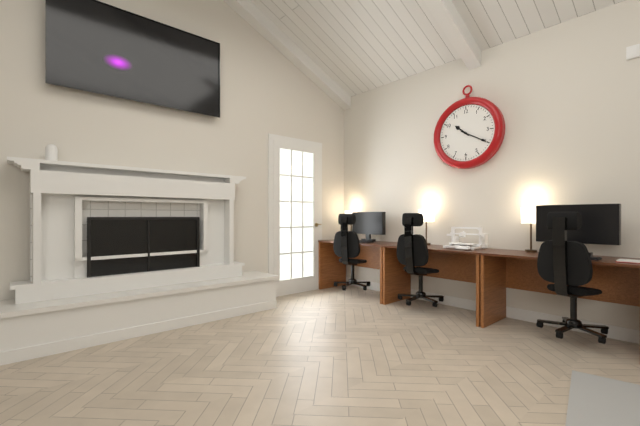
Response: 10:20
